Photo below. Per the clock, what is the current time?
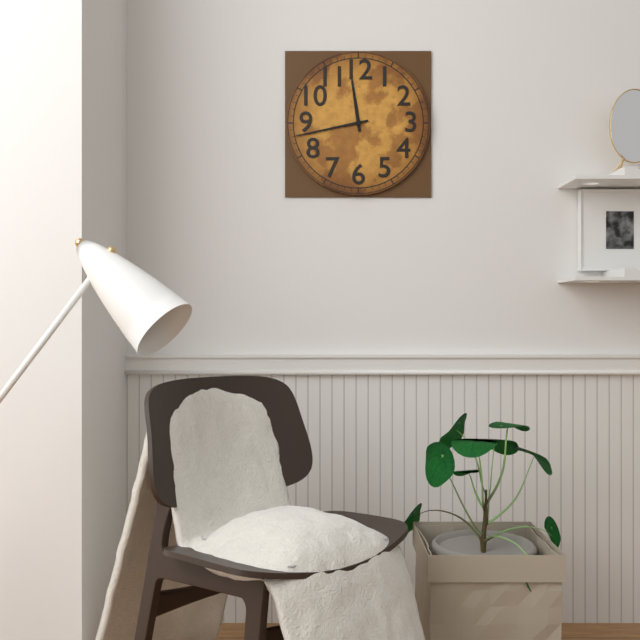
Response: 11:43
